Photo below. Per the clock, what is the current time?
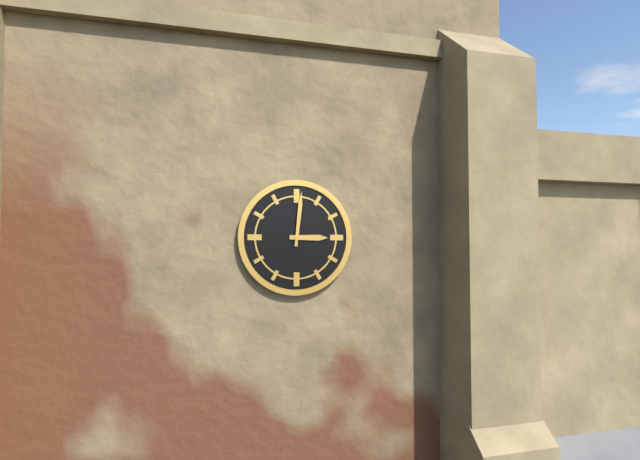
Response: 3:01
